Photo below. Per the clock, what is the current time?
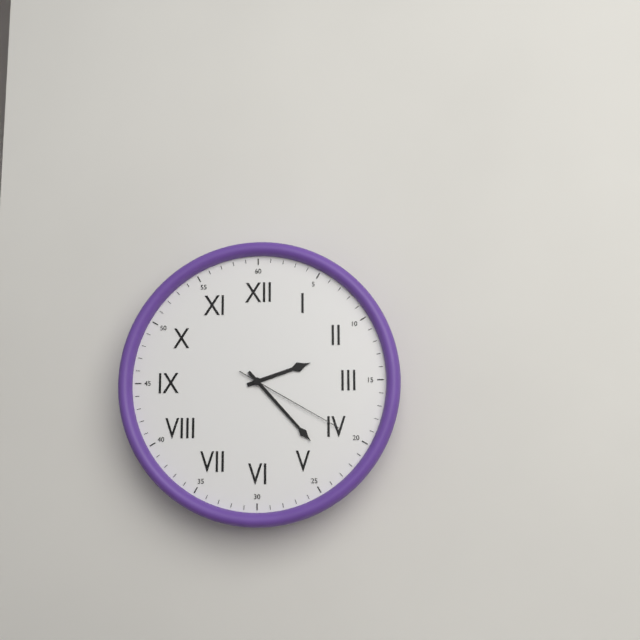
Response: 2:23:20
